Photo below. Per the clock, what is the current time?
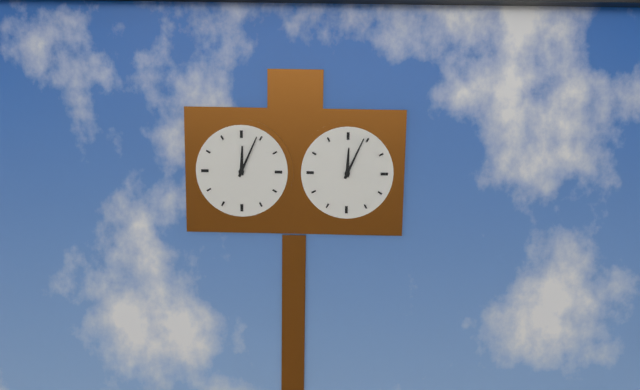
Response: 12:04
